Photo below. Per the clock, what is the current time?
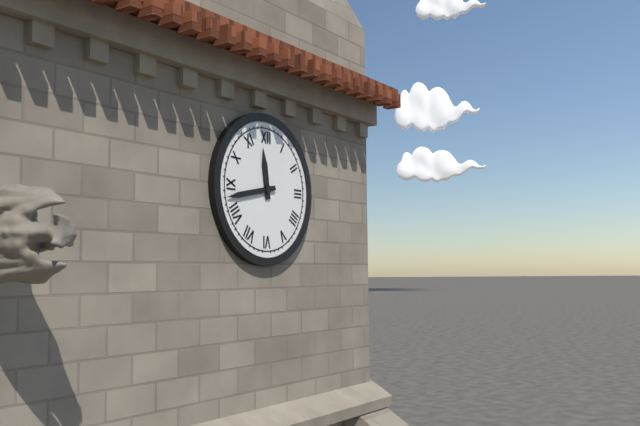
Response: 11:43
